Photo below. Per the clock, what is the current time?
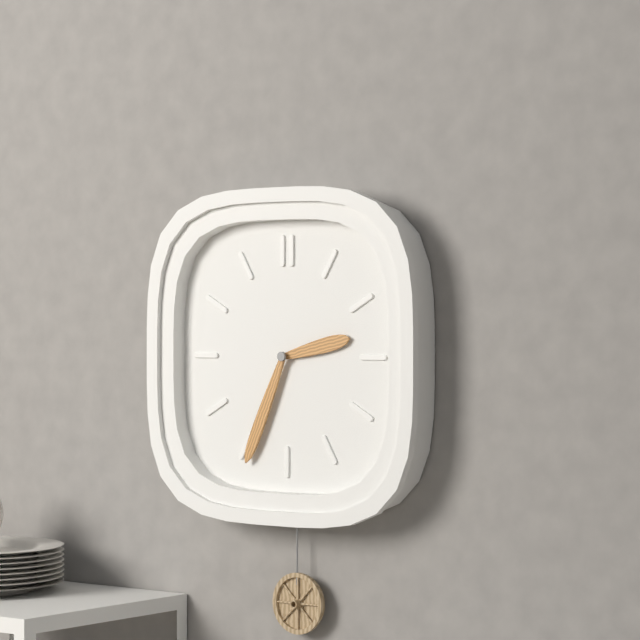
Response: 2:34
